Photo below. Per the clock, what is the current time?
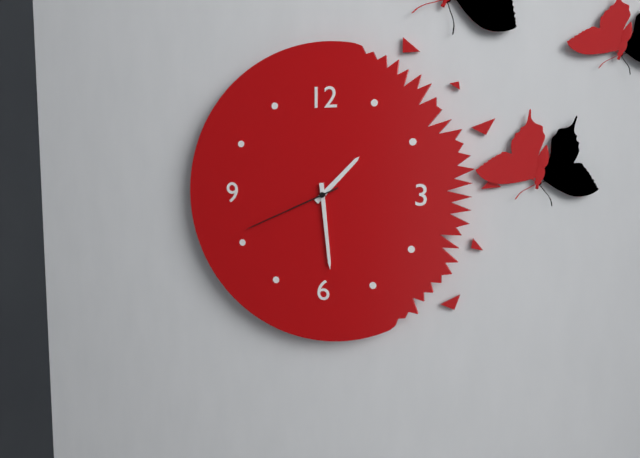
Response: 1:29:41
